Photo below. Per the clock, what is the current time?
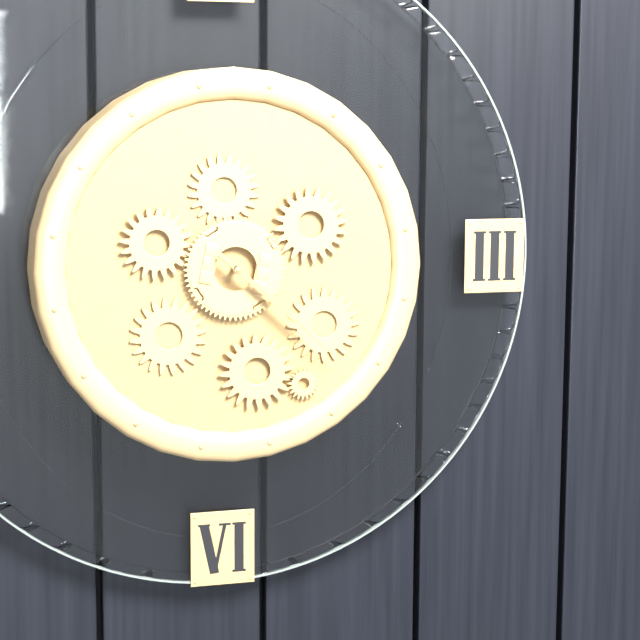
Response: 4:22
